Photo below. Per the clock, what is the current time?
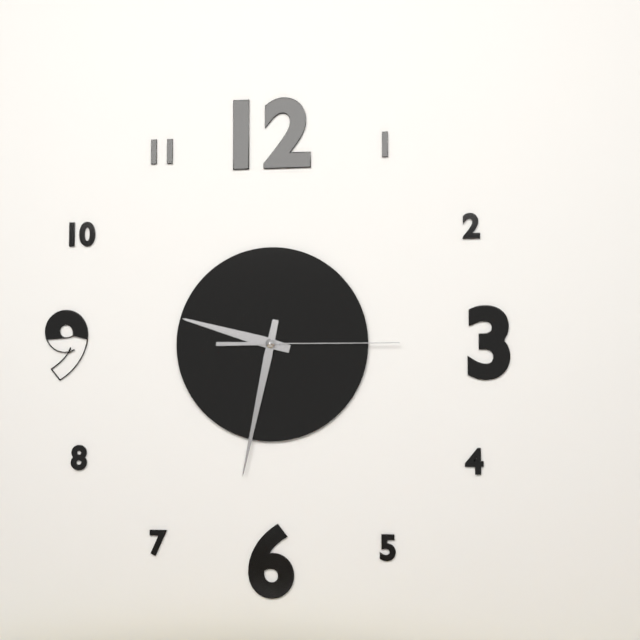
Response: 9:32:15
